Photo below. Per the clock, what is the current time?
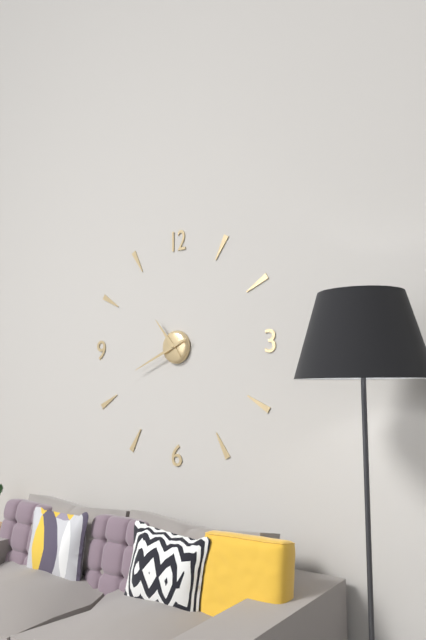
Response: 10:41
